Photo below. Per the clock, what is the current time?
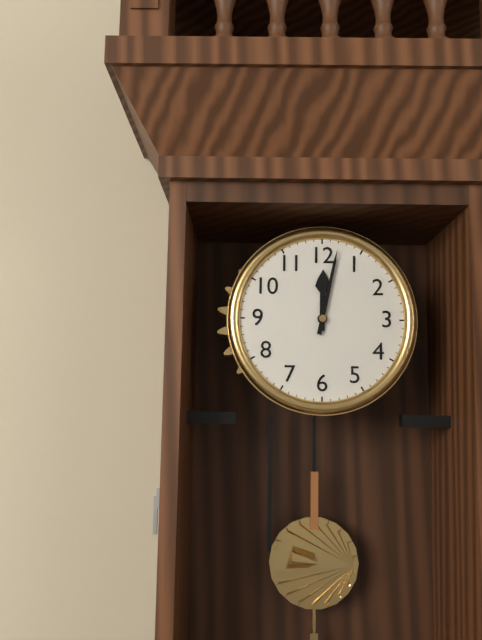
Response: 12:02
